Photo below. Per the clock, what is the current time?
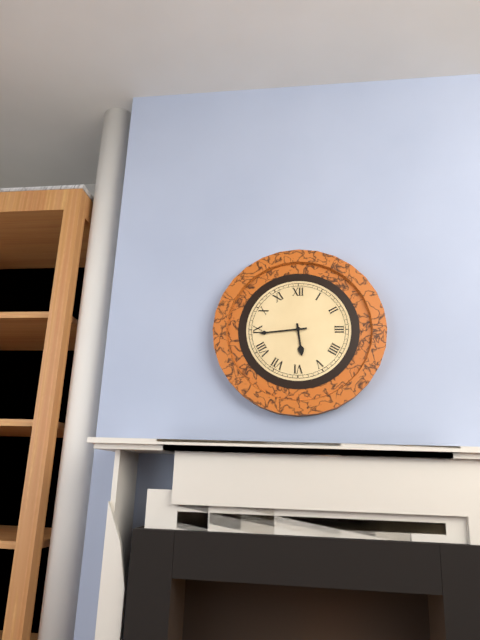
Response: 5:44
